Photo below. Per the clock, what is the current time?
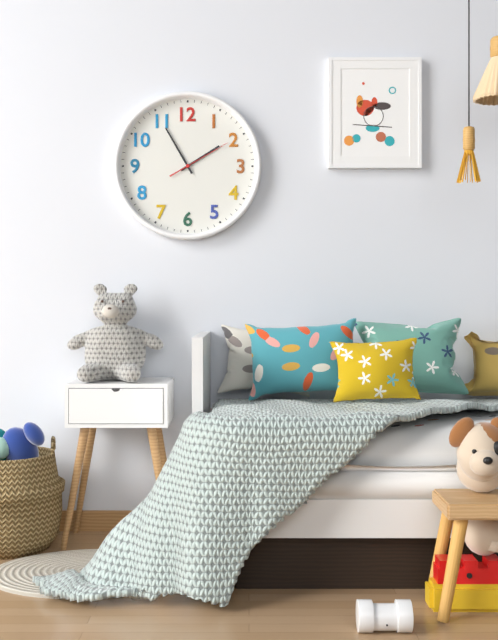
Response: 1:55:10
